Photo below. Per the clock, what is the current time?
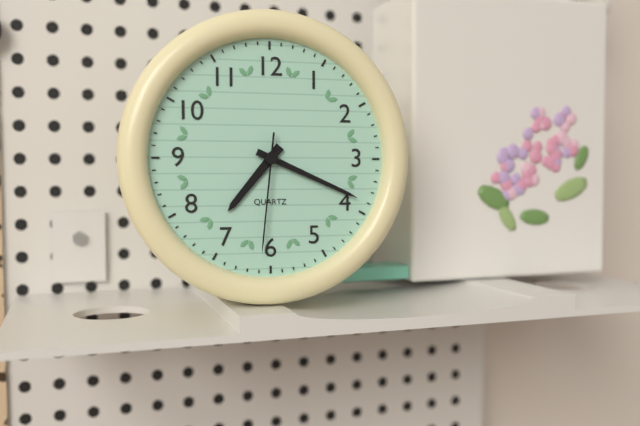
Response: 7:19:31
